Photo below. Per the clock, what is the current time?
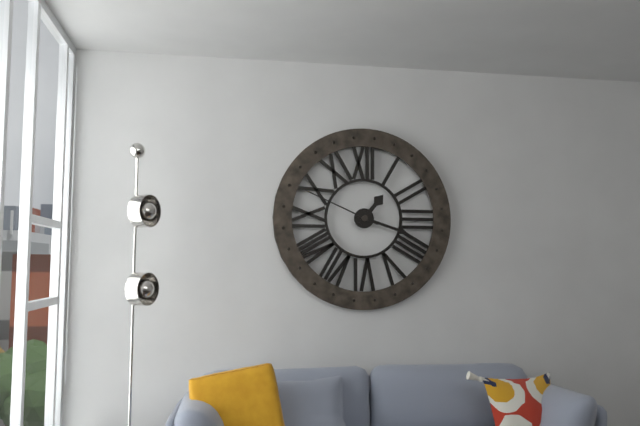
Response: 1:18:49
